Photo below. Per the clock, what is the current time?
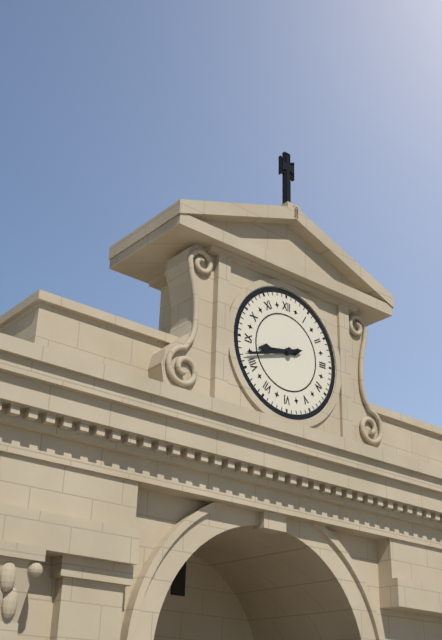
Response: 8:42
